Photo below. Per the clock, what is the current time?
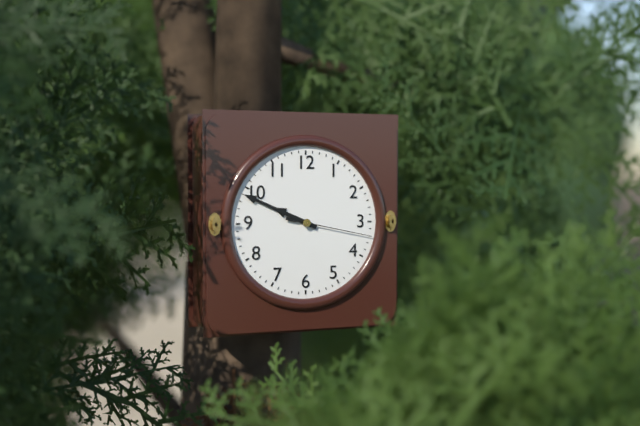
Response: 9:49:17
